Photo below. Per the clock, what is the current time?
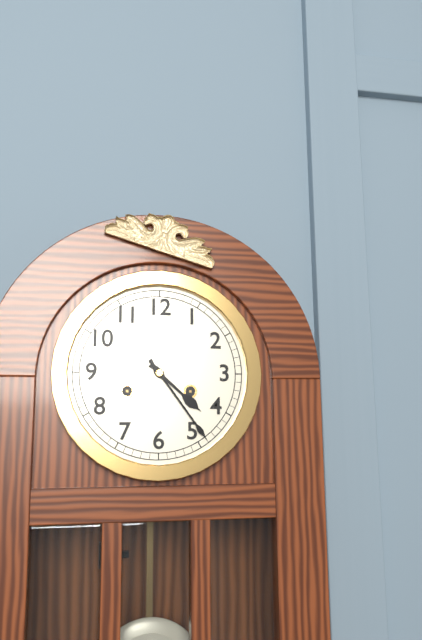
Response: 4:24
